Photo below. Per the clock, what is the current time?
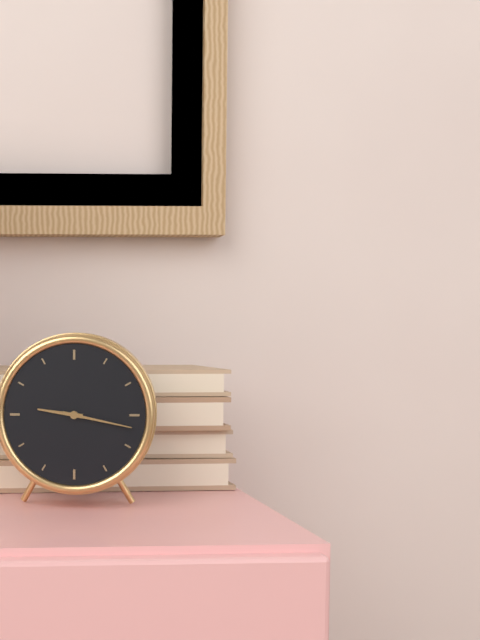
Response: 9:17
